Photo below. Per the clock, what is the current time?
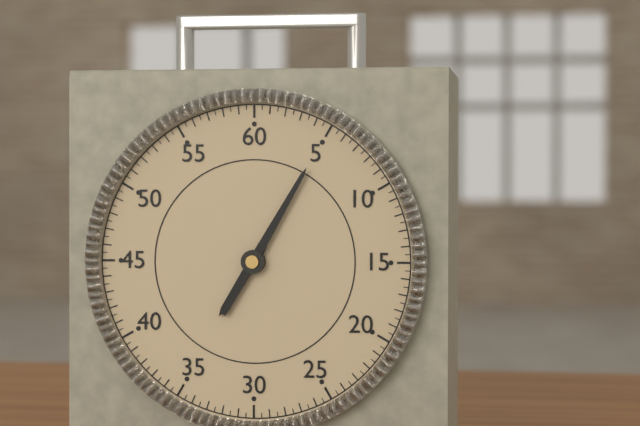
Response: 7:05
